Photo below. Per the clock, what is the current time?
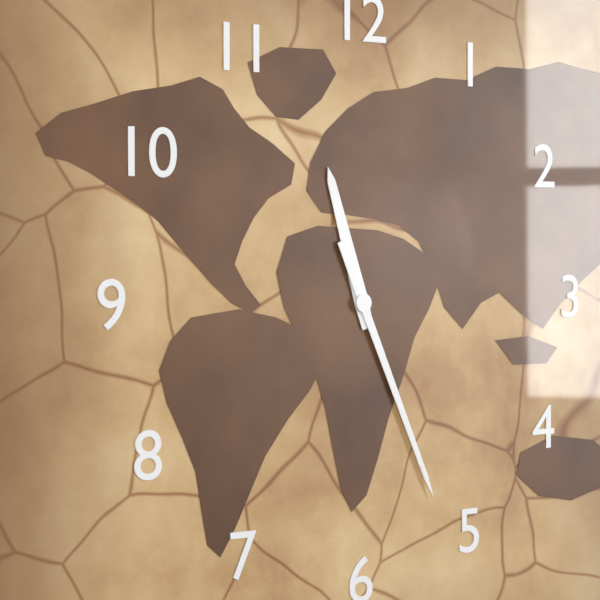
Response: 11:26
